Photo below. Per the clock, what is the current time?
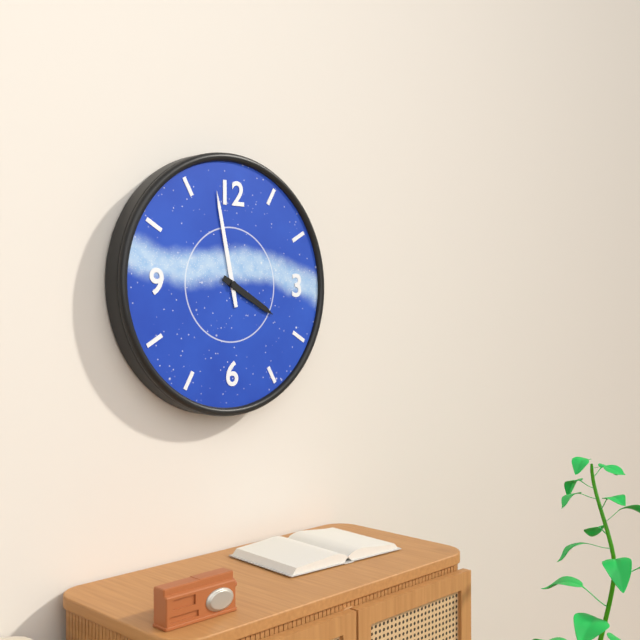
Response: 3:58
